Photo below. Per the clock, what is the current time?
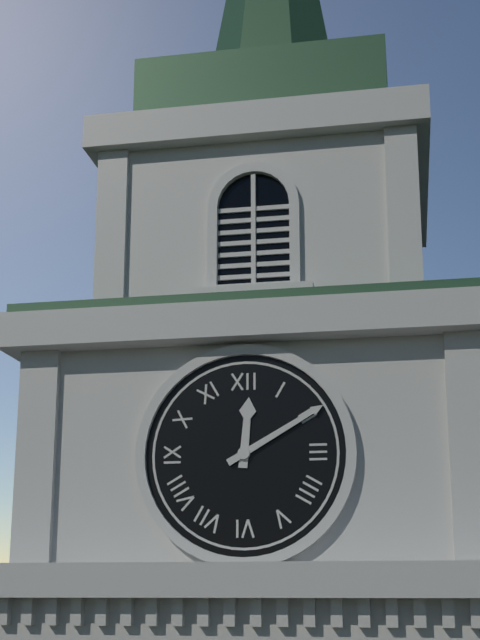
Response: 12:10
